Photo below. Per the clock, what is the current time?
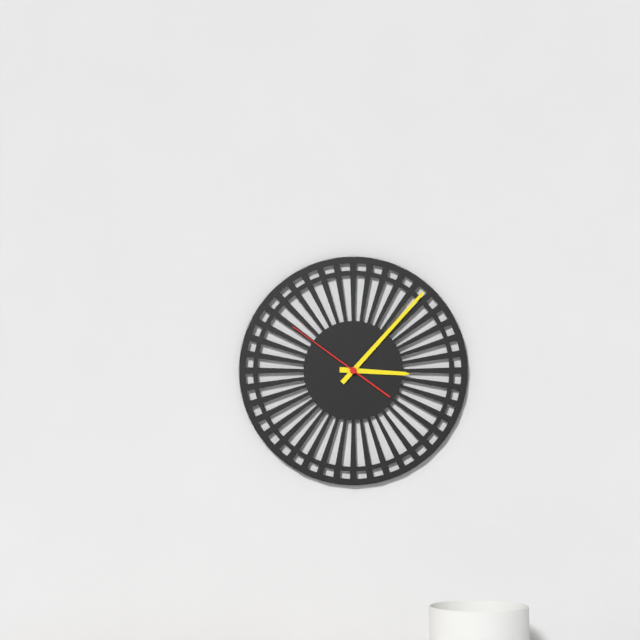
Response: 3:07:51
